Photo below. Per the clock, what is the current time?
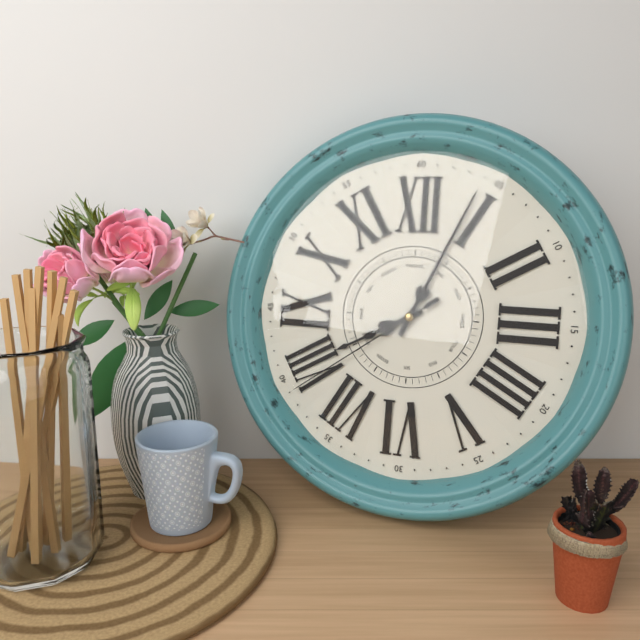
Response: 8:04:39
